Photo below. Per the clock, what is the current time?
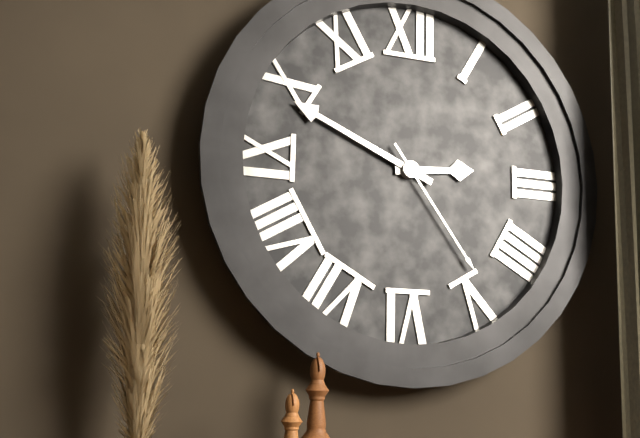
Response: 2:49:24
